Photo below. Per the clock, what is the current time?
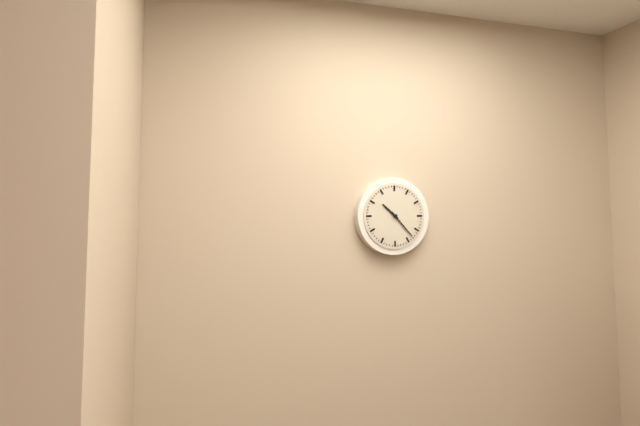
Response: 10:23
